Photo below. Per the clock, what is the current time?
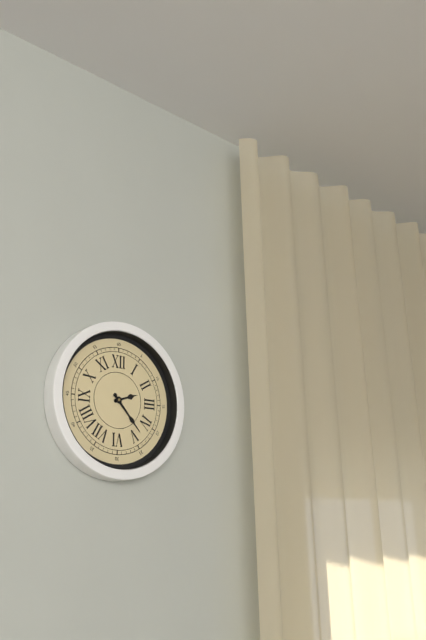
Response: 2:23
